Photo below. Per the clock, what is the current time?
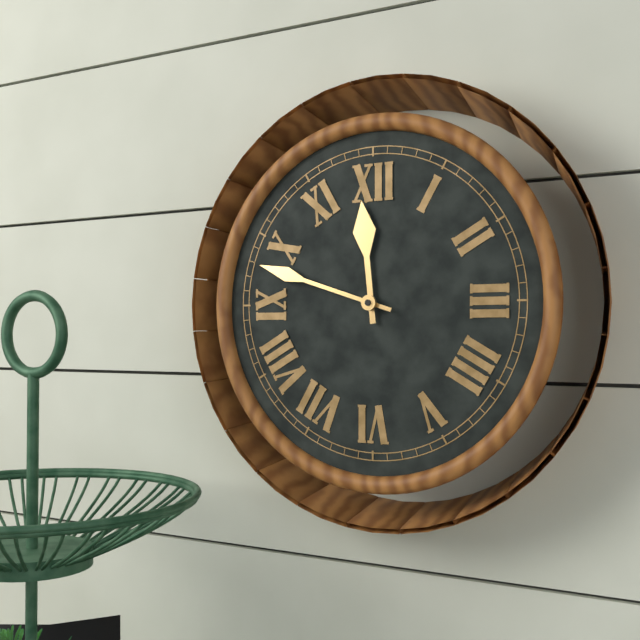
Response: 11:48
